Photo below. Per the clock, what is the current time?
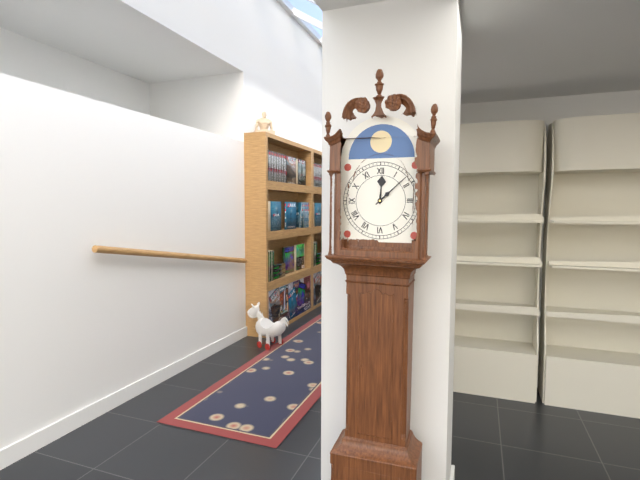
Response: 12:08
